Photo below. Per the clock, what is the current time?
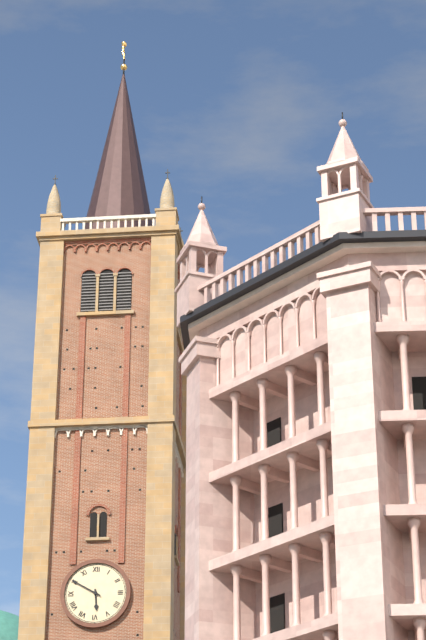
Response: 5:50
